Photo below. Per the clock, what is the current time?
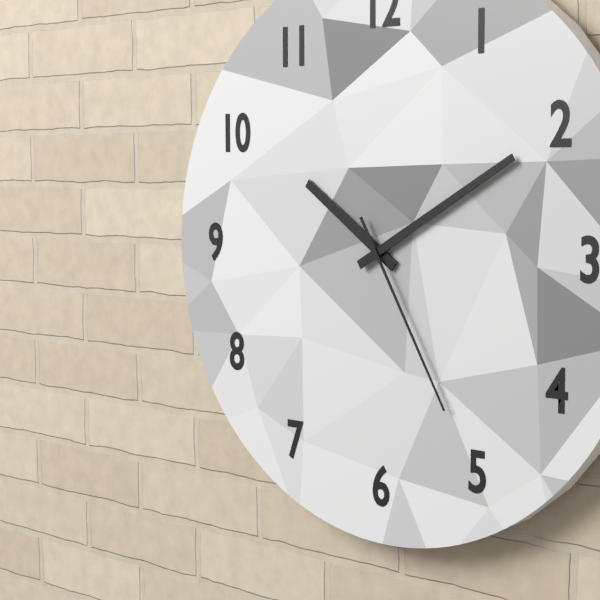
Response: 10:10:25
